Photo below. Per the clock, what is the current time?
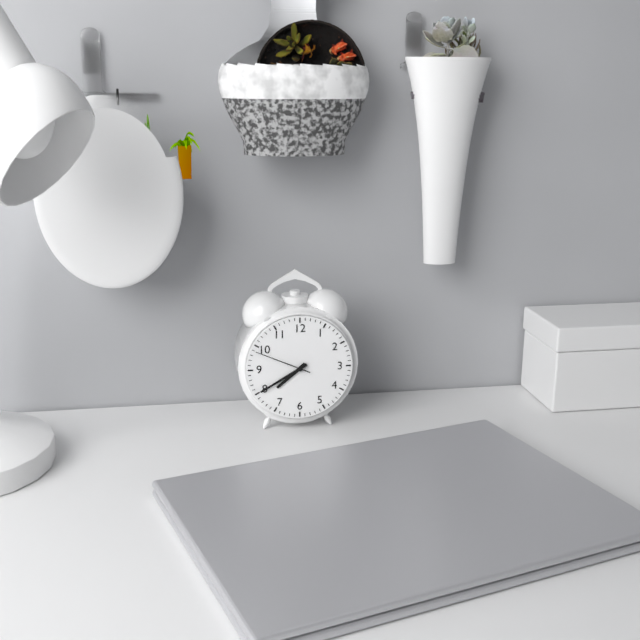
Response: 7:40:49
